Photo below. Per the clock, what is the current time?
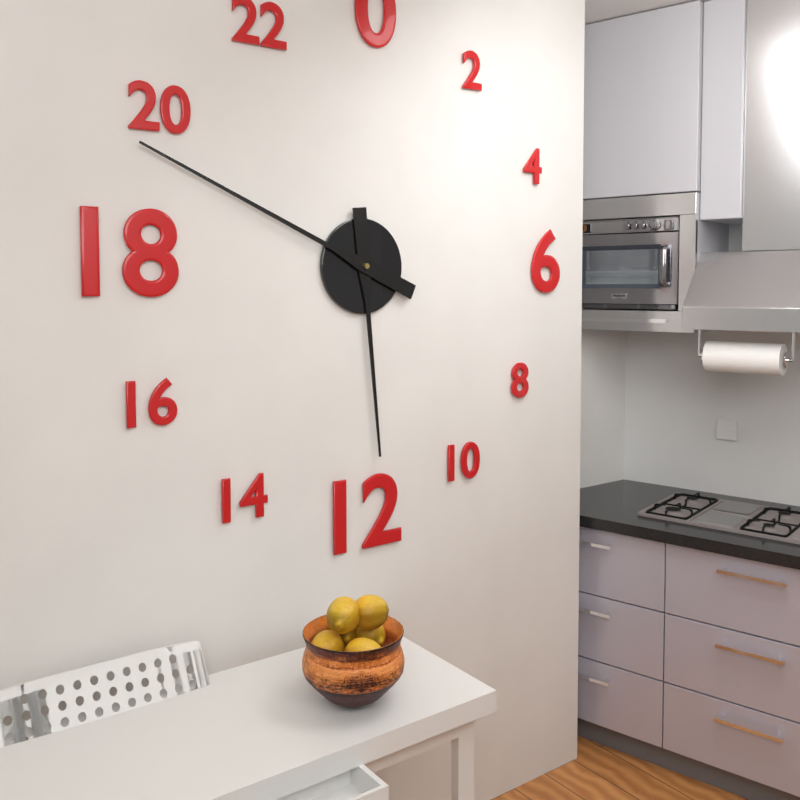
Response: 5:49
